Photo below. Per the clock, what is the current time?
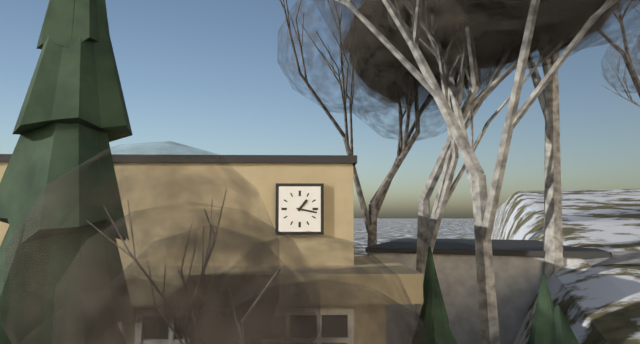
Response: 1:17
